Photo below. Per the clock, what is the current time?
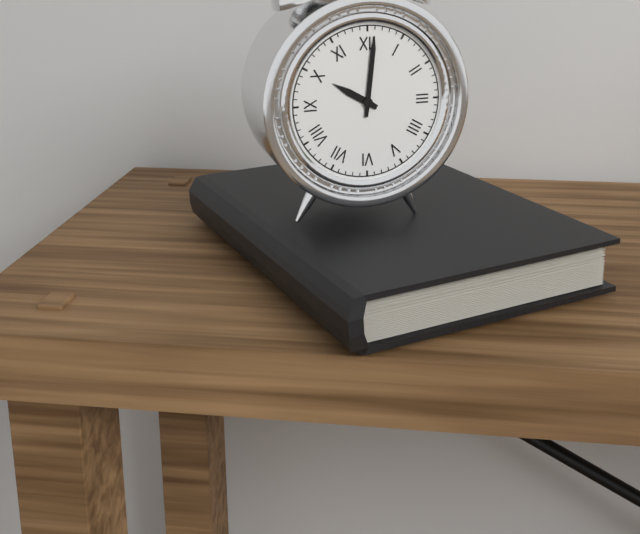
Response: 10:01
